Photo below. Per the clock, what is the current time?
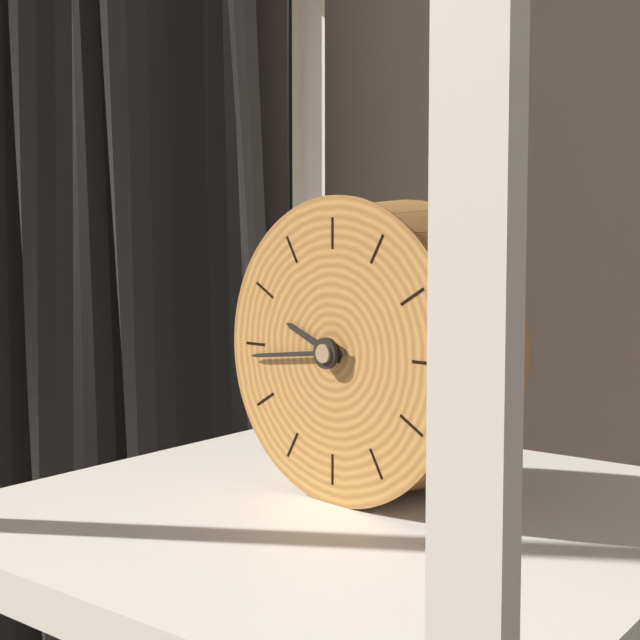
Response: 9:44
